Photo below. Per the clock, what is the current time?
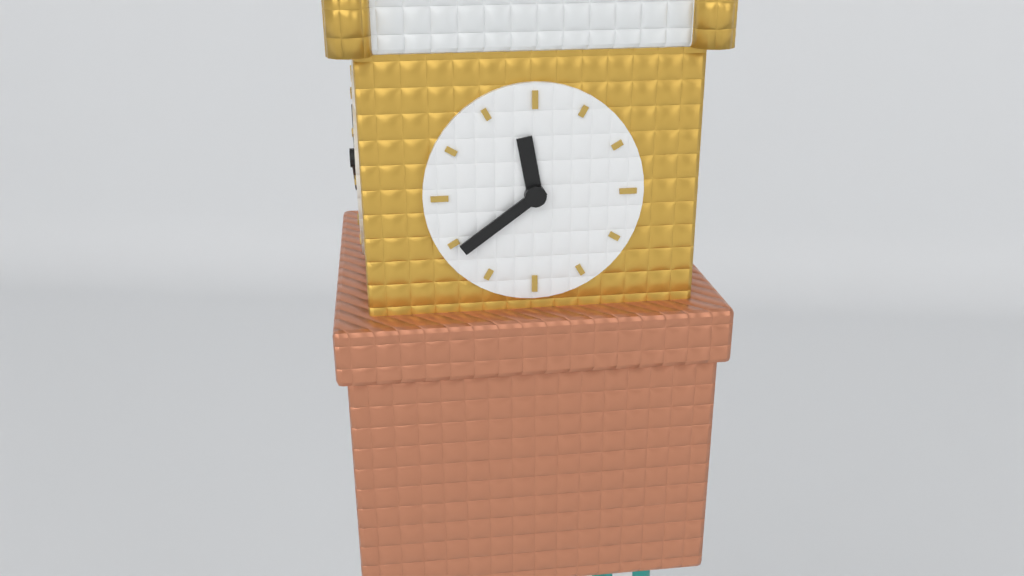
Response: 11:39
